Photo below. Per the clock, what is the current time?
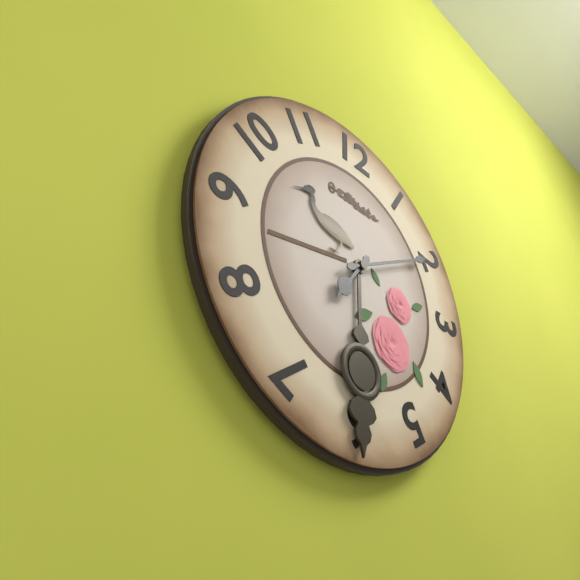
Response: 7:10
